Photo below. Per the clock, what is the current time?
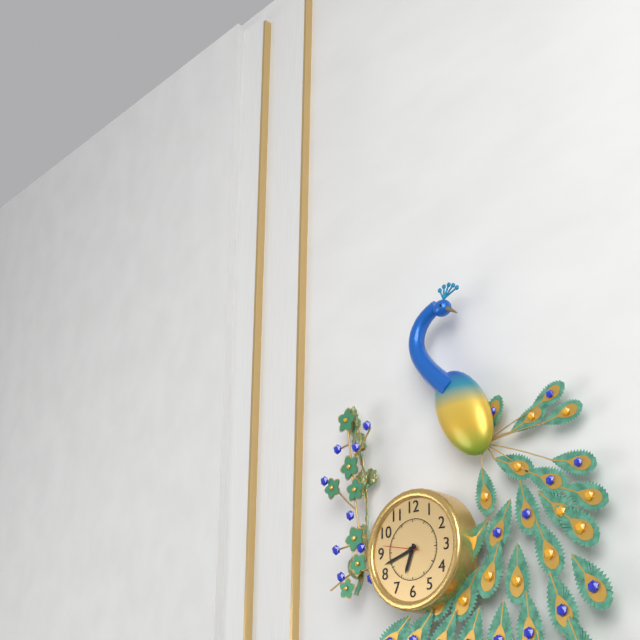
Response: 6:42
